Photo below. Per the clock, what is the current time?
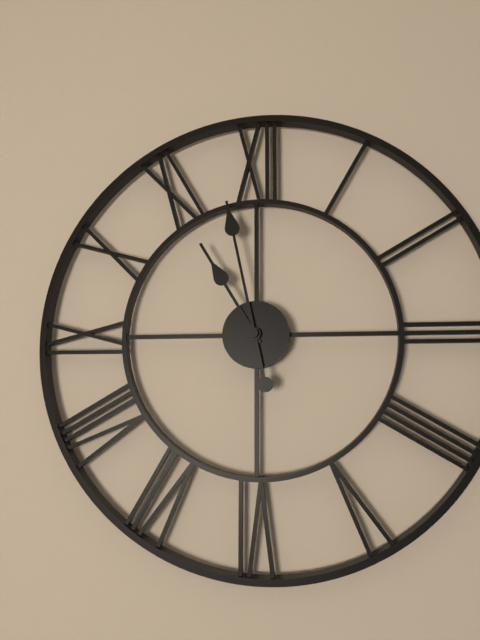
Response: 10:58
